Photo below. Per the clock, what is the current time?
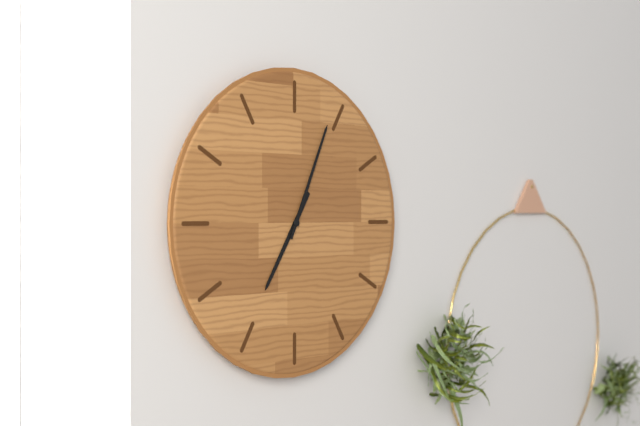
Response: 7:04
